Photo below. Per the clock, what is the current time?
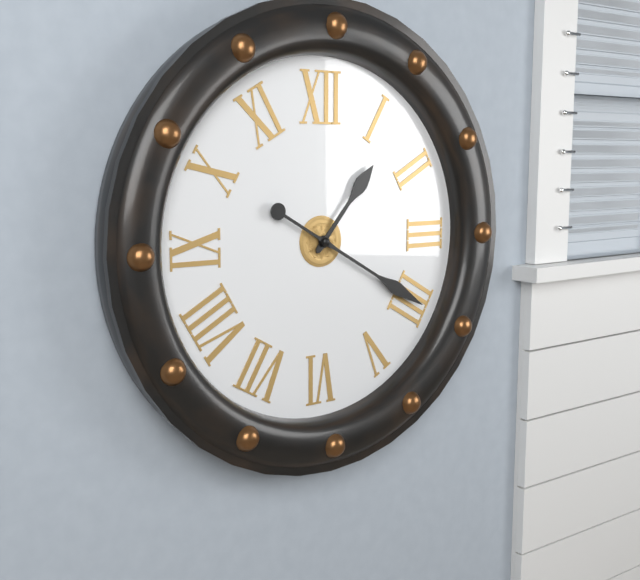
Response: 1:20
